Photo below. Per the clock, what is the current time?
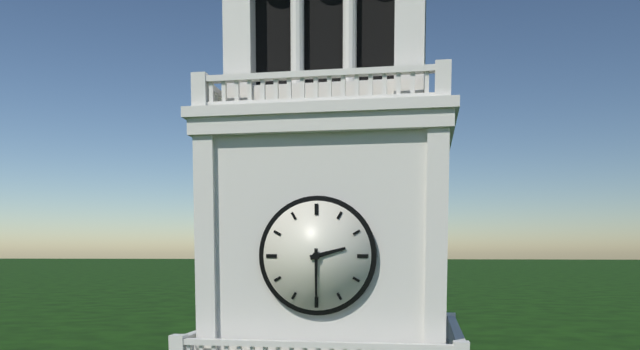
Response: 2:30
